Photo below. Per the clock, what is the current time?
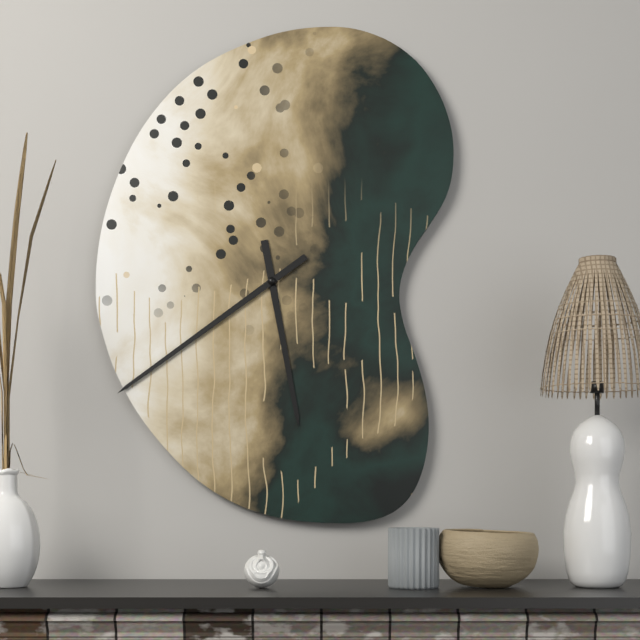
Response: 5:39
